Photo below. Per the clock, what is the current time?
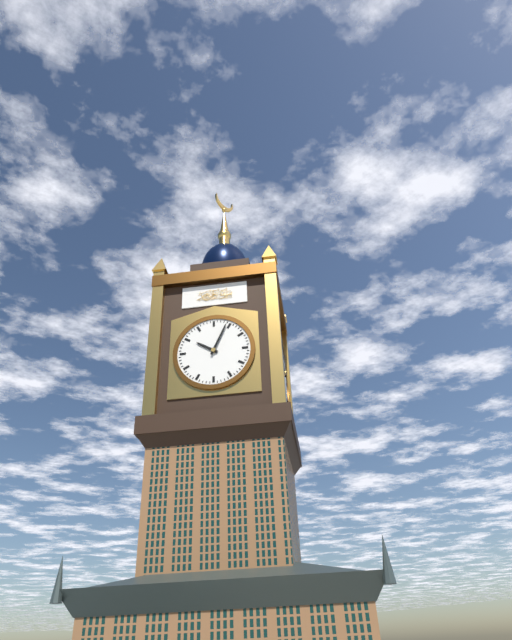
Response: 10:04
